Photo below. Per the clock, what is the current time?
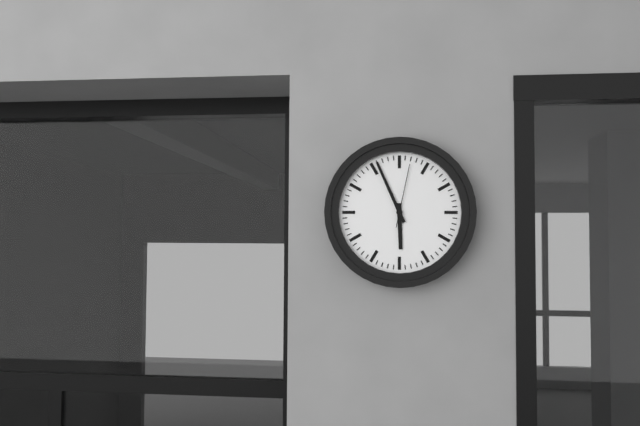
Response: 5:56:02
